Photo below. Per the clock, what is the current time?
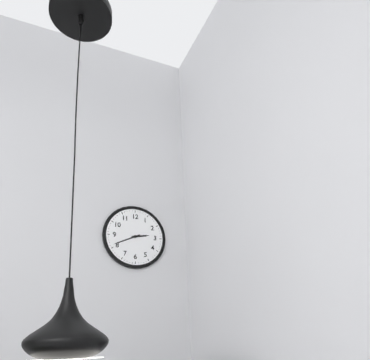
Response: 2:41
